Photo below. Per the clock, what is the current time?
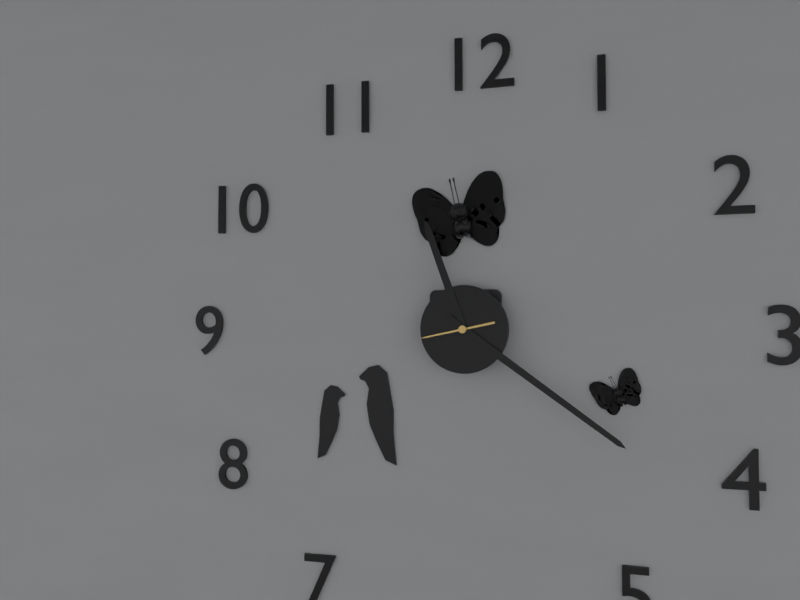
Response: 11:21:43
